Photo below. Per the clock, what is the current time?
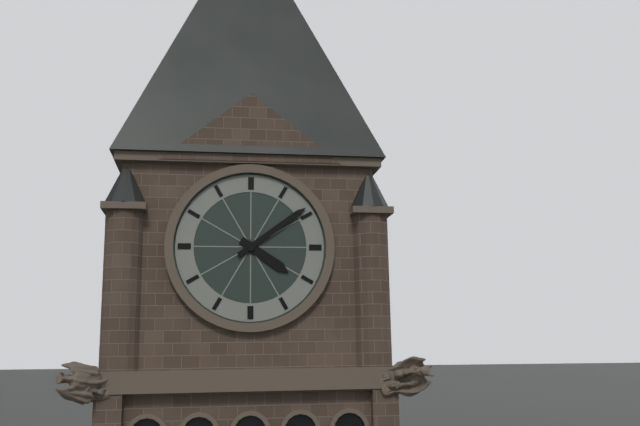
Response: 4:09
